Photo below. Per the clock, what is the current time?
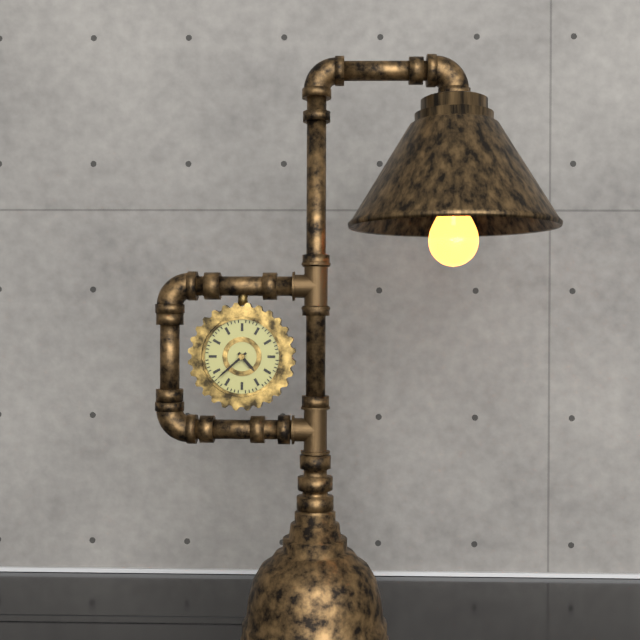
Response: 4:38
